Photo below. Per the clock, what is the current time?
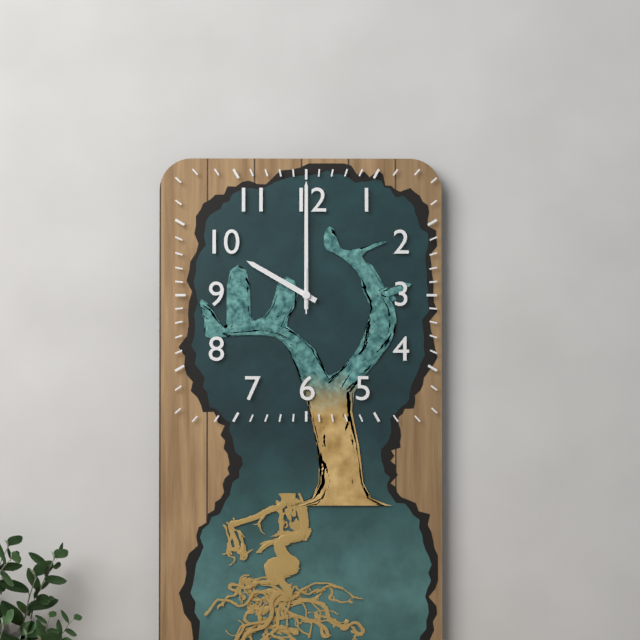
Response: 10:00
